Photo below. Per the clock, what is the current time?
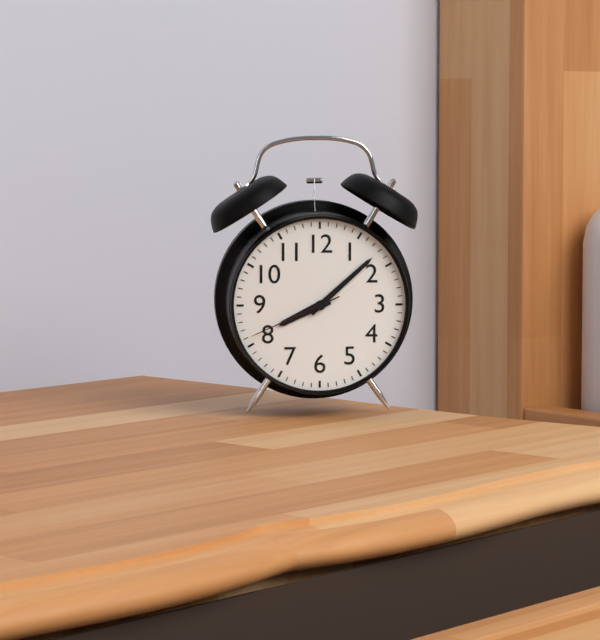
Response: 8:08:41
